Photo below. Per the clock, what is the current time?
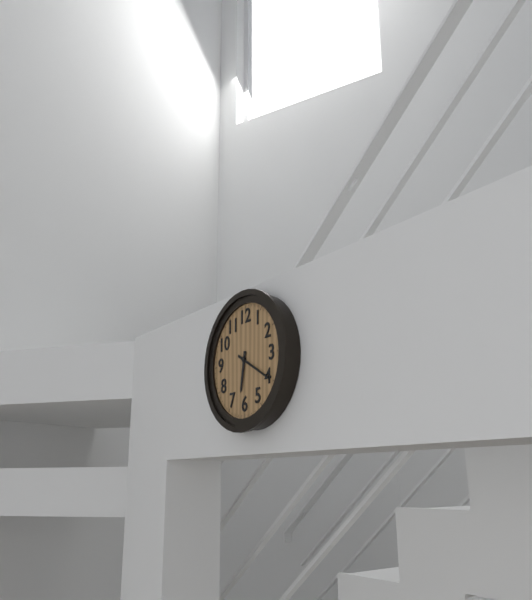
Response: 6:20
